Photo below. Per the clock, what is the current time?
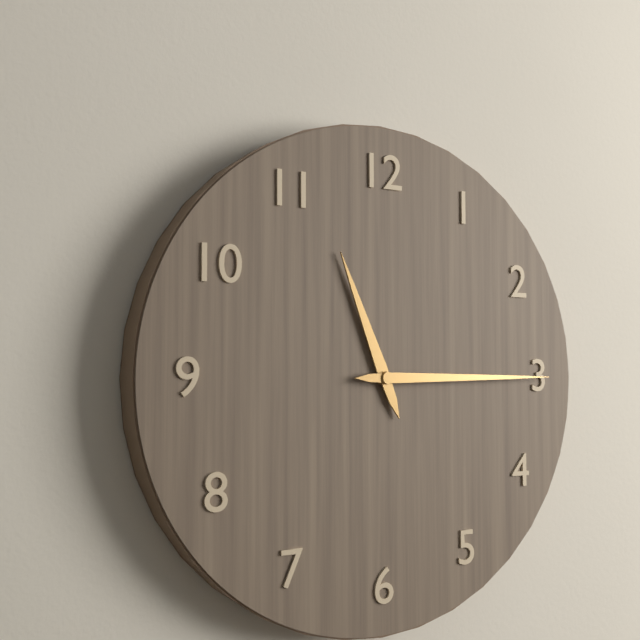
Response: 11:15
